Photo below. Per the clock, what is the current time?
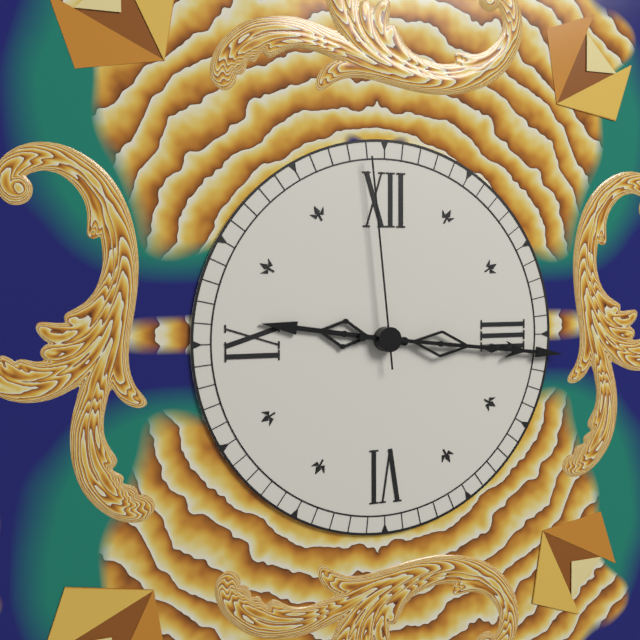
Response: 9:16:59
